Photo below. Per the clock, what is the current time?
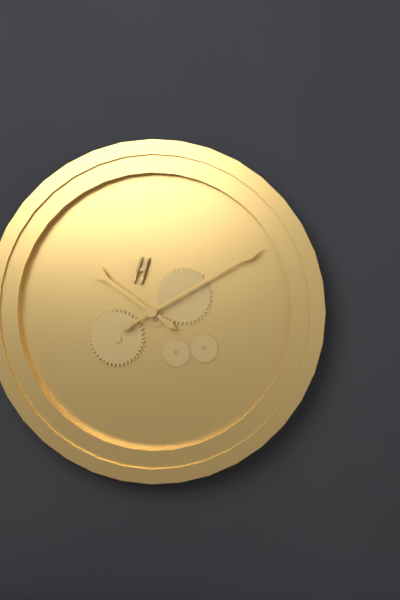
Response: 10:10
